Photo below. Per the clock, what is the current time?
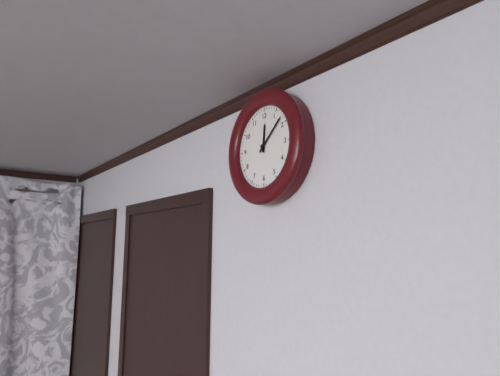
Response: 12:08
